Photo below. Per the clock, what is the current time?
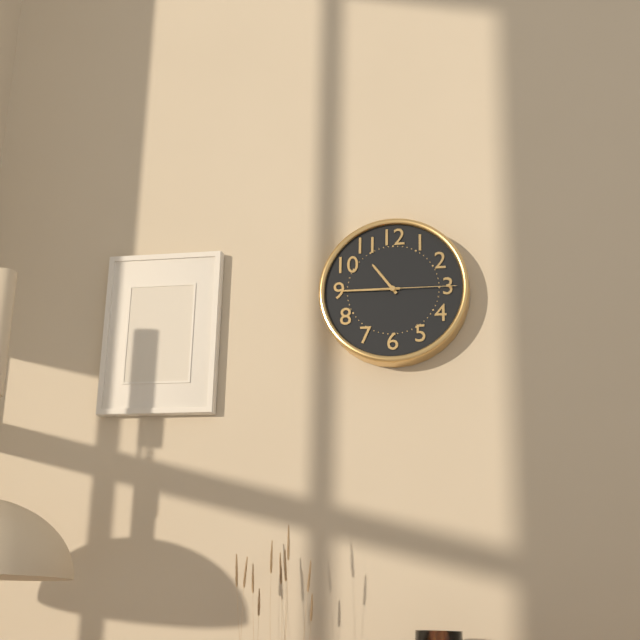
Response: 10:45:15
